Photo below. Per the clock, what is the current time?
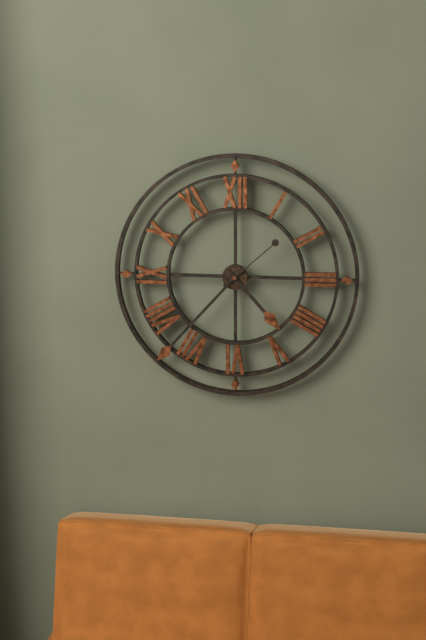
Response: 4:37:08
